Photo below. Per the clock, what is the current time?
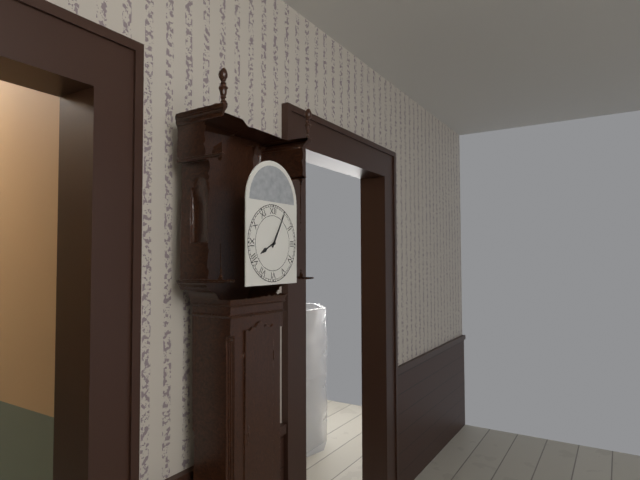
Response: 8:05
